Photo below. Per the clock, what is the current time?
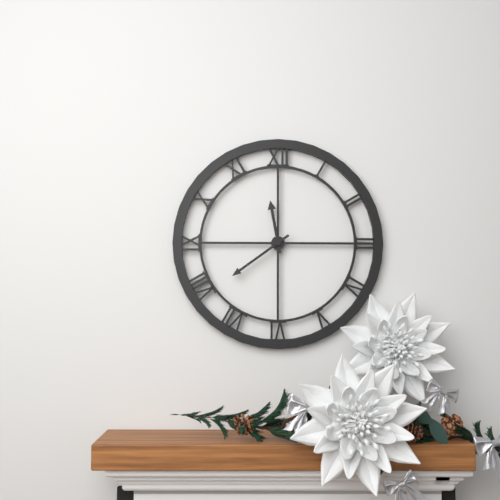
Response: 11:39
